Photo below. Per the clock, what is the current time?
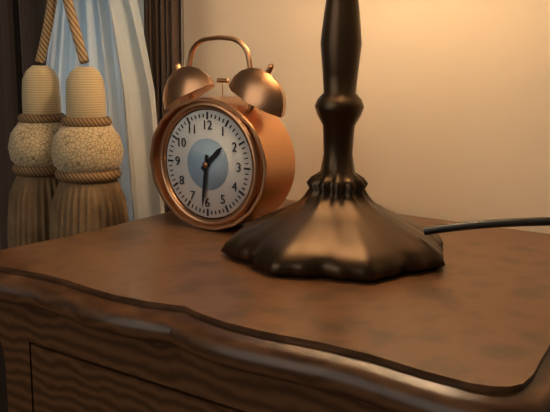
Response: 1:31
